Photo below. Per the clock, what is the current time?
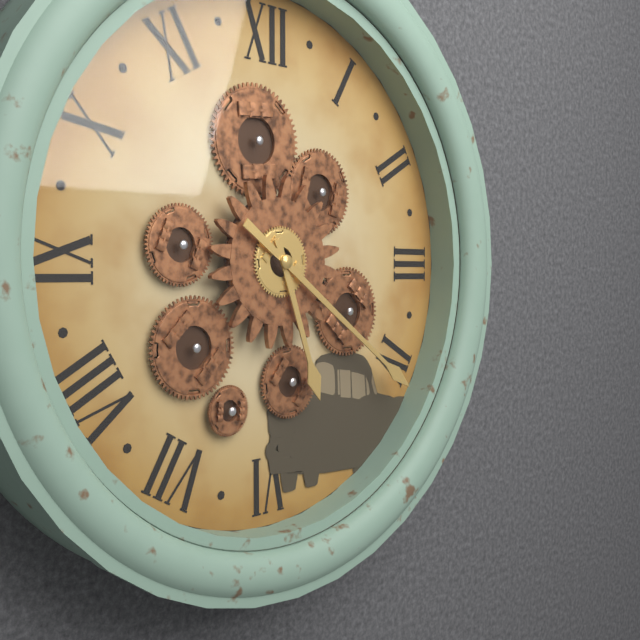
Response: 5:21
